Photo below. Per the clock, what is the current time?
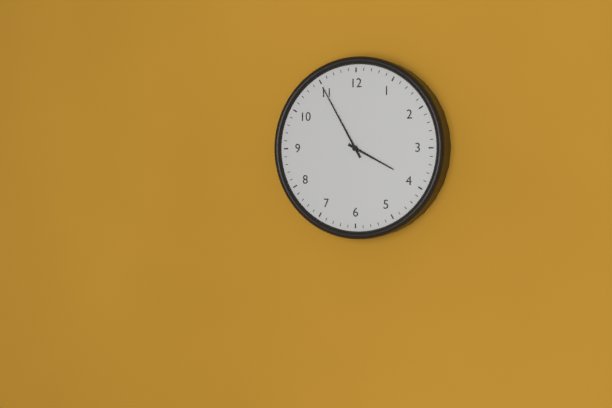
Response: 3:55
